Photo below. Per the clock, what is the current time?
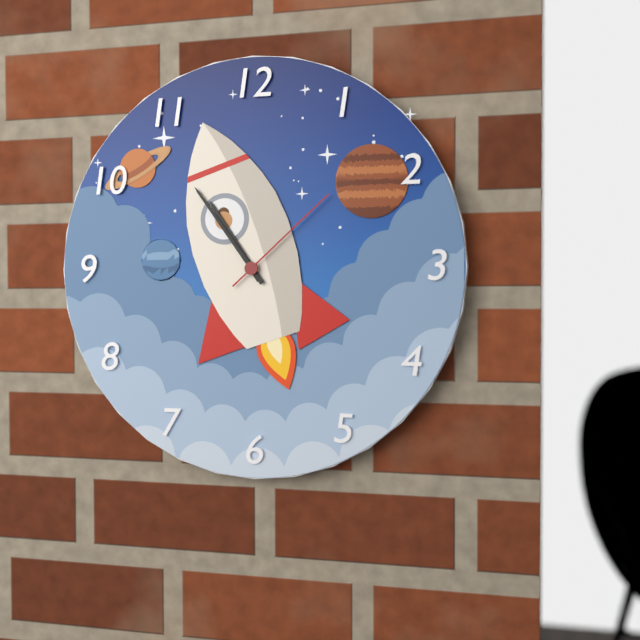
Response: 10:54:08
